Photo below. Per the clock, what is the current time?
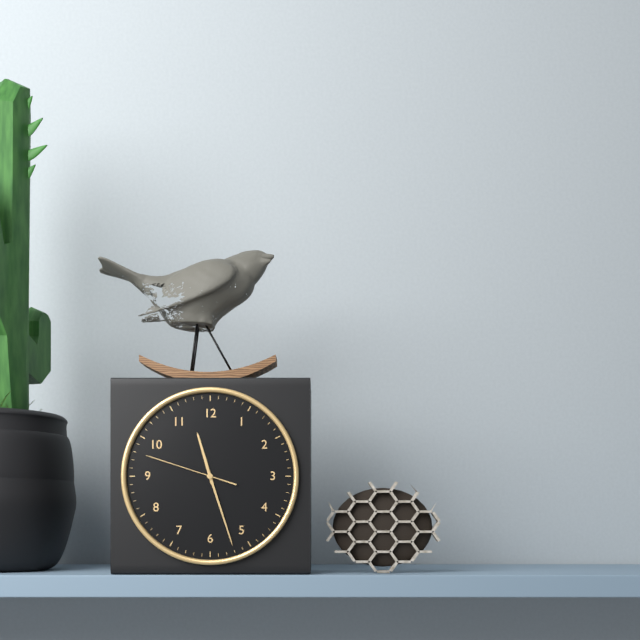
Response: 11:27:48
